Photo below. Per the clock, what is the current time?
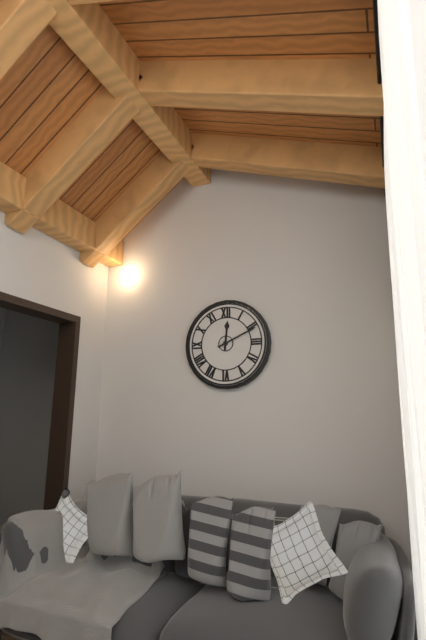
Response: 12:11
